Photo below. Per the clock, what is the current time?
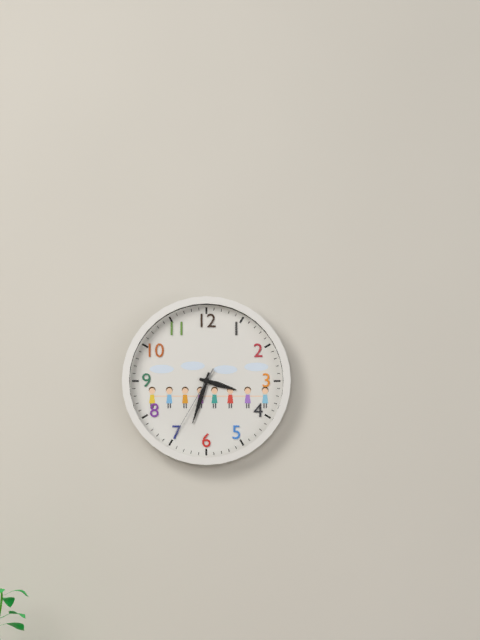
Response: 3:33:35
